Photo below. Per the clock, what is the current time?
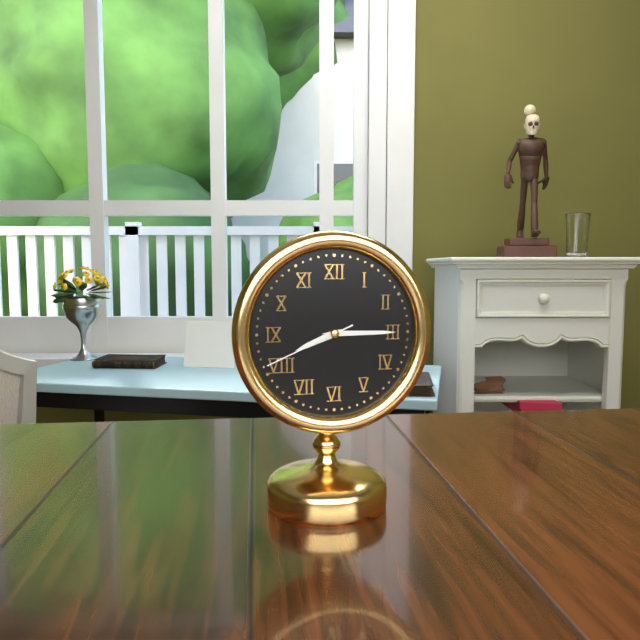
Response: 8:15:41
